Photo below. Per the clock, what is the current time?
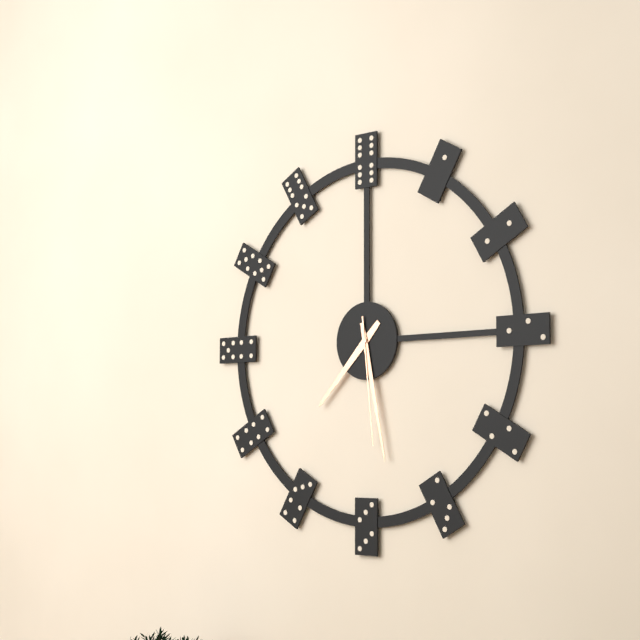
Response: 7:28:29
